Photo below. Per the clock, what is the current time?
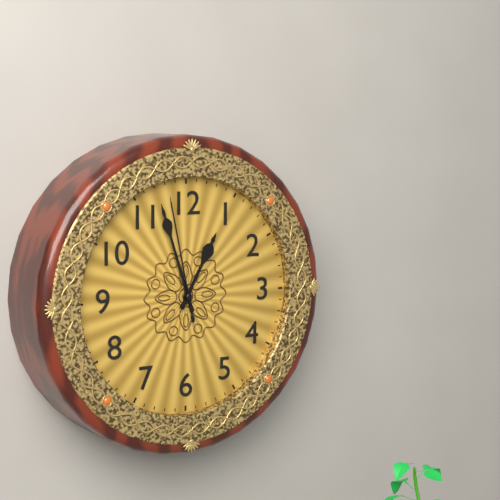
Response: 12:57:58
